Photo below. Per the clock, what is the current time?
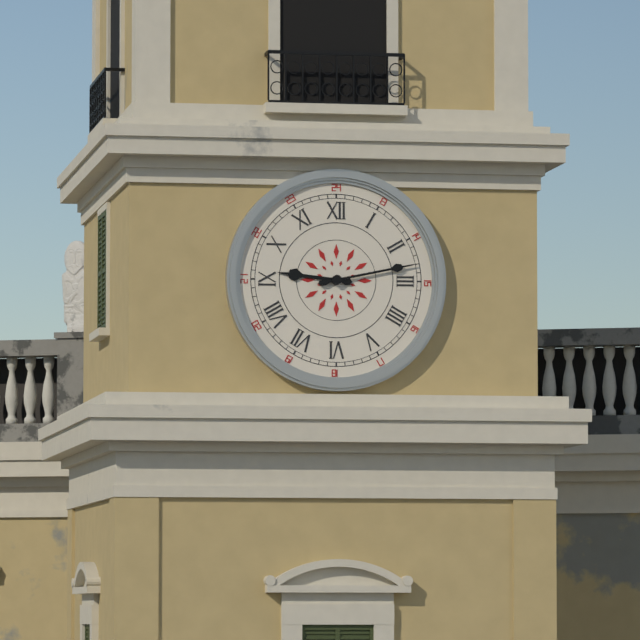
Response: 9:13
